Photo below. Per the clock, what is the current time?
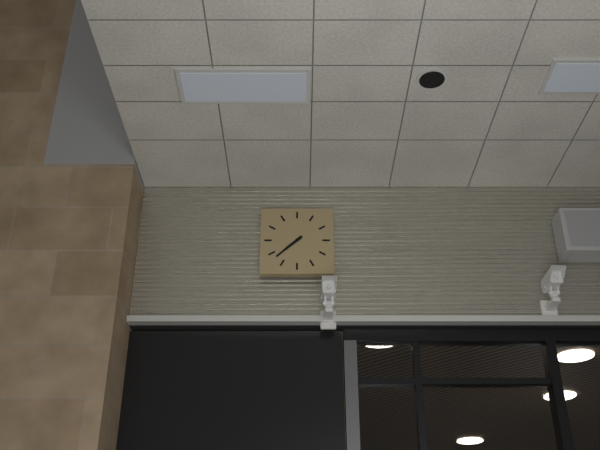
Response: 7:38
